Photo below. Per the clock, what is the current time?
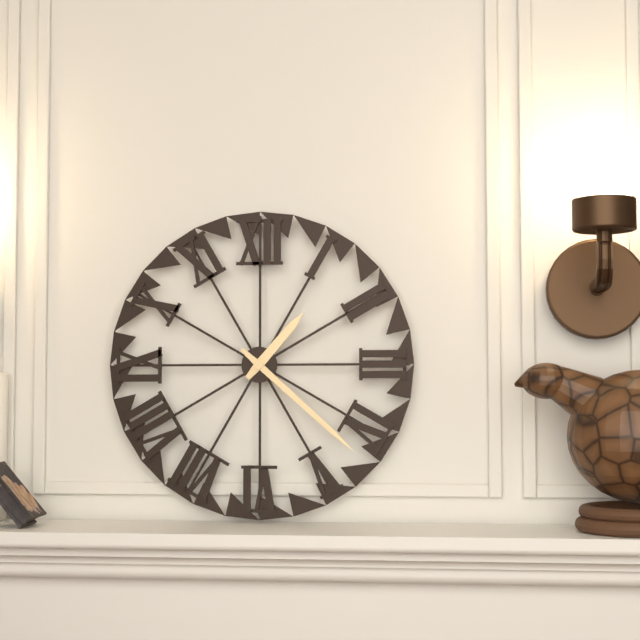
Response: 1:22
